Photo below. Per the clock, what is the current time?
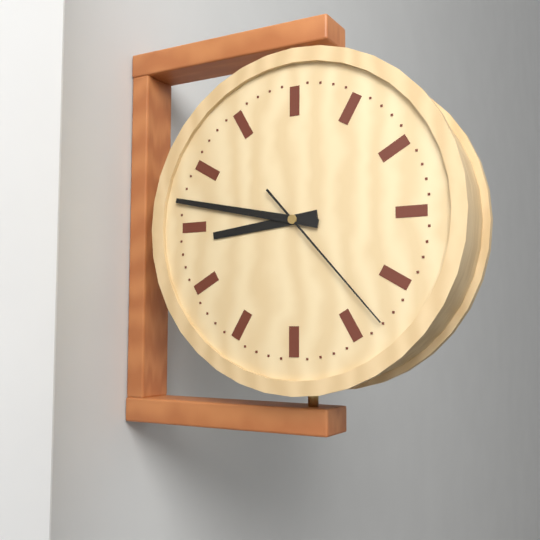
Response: 8:47:23
